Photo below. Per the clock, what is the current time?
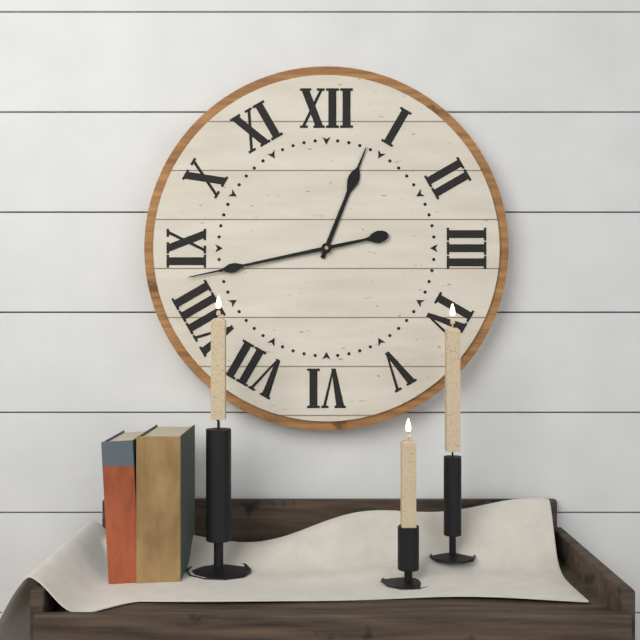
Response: 12:43
